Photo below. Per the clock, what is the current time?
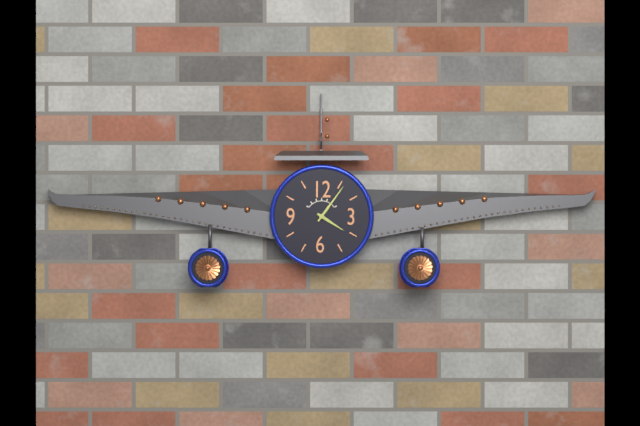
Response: 4:06
